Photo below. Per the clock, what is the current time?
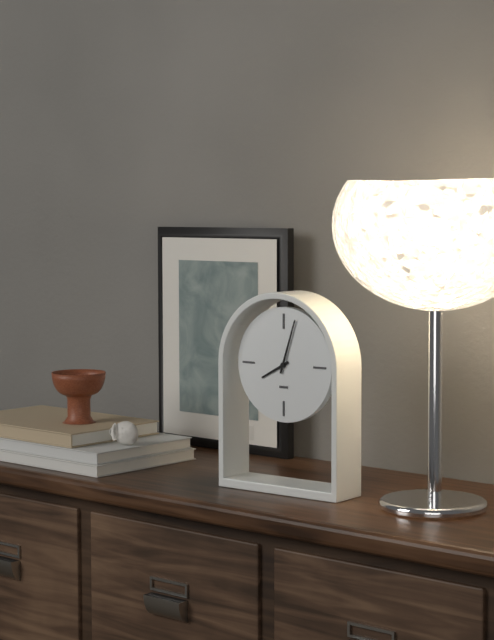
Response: 8:03
